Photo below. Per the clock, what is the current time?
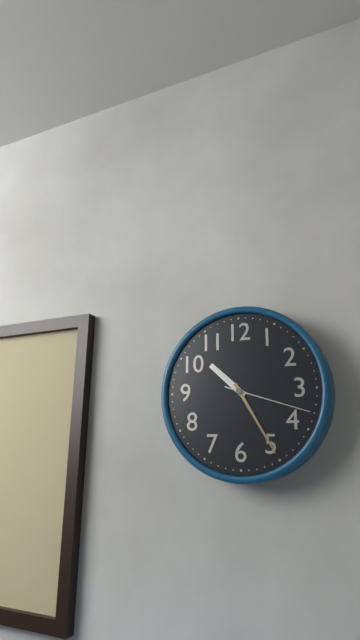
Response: 10:25:18
